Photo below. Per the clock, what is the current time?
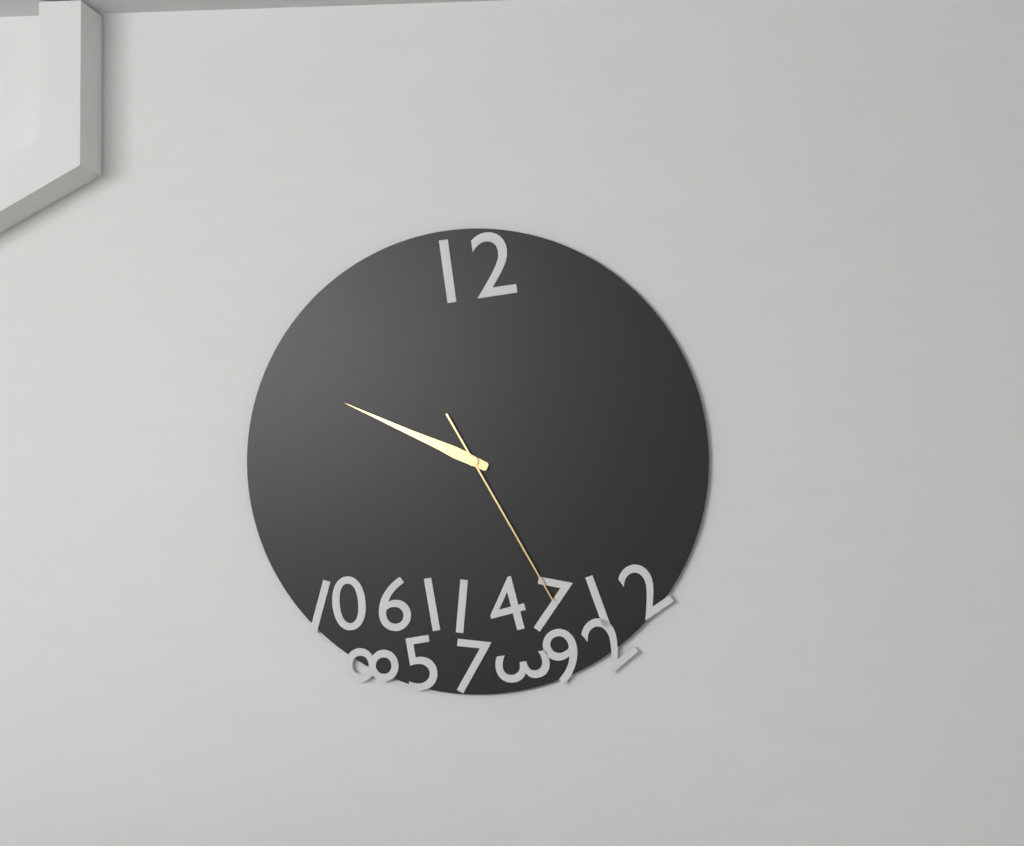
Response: 9:49:25
